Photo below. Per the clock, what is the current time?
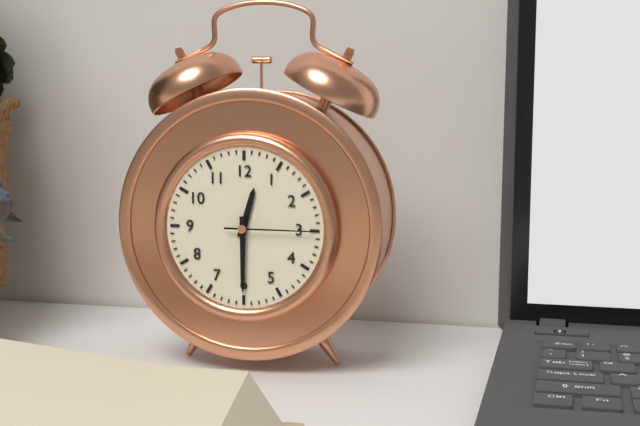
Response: 12:30:15
